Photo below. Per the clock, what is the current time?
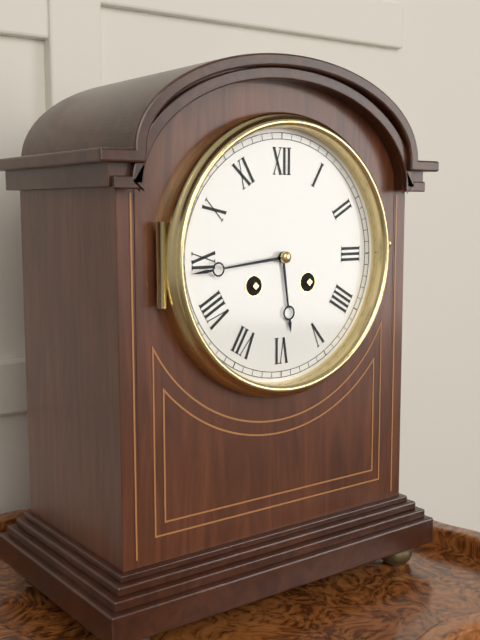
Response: 5:44
